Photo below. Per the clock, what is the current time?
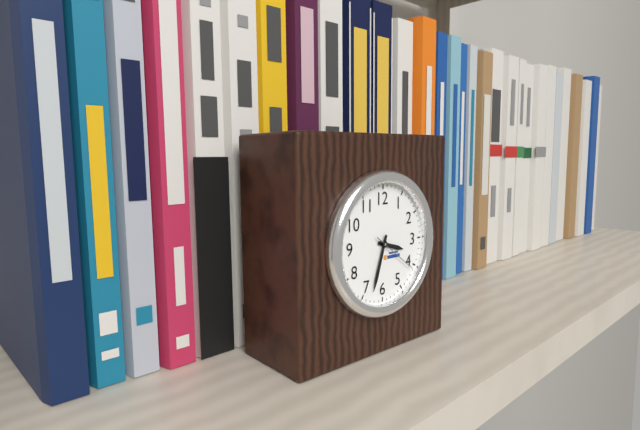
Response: 3:33:21
